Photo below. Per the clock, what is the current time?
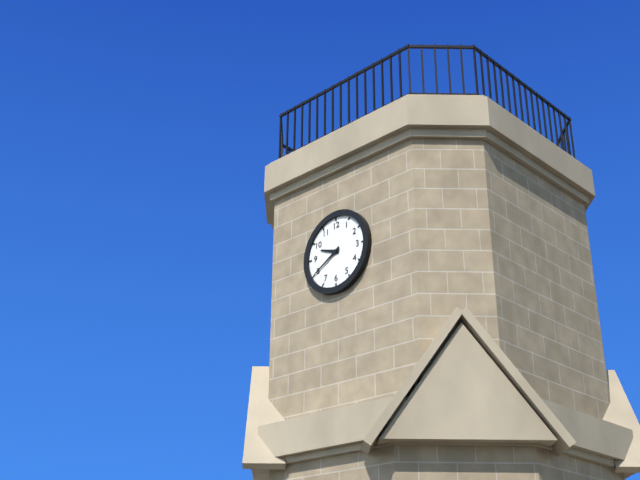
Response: 9:40
